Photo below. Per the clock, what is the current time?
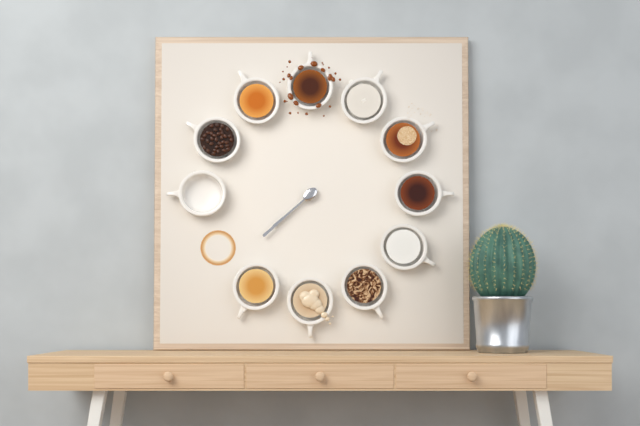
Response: 7:38
